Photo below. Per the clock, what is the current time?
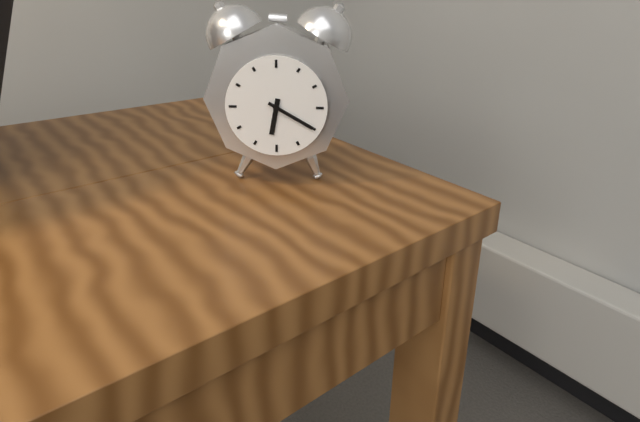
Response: 6:20
